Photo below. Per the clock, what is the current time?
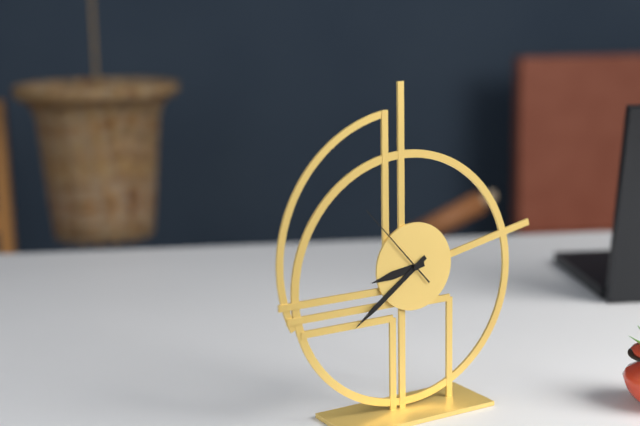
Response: 8:39:53
